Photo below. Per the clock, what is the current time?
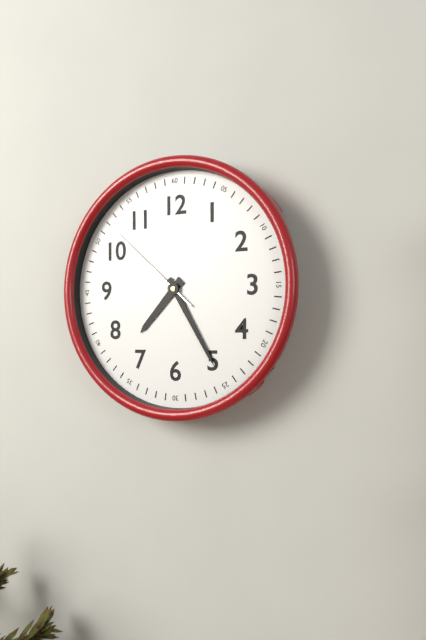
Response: 7:25:52
